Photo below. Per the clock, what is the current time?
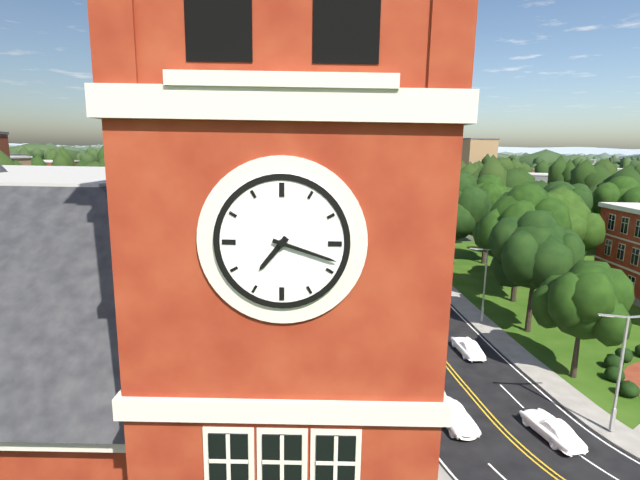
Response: 7:18
